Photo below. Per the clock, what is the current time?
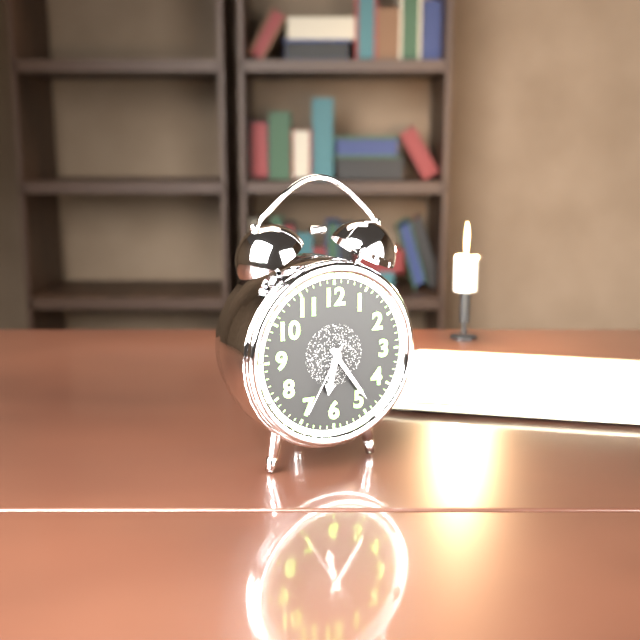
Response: 6:24:35
